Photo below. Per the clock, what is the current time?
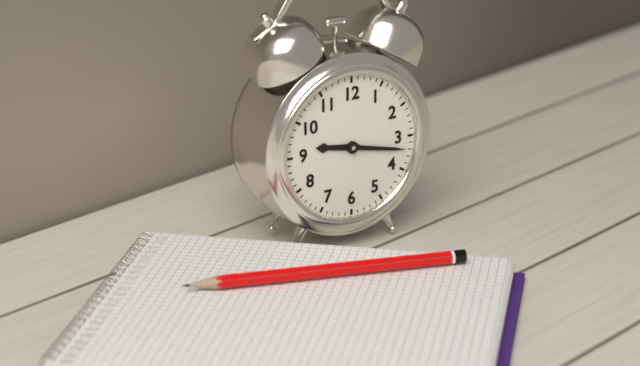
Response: 9:17
